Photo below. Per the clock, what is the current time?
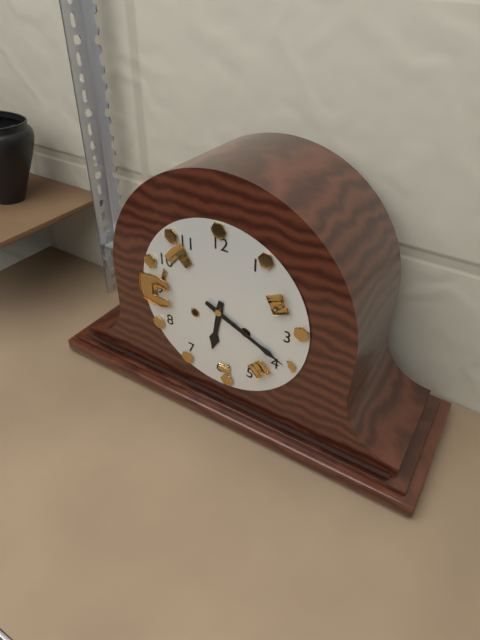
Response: 6:19
